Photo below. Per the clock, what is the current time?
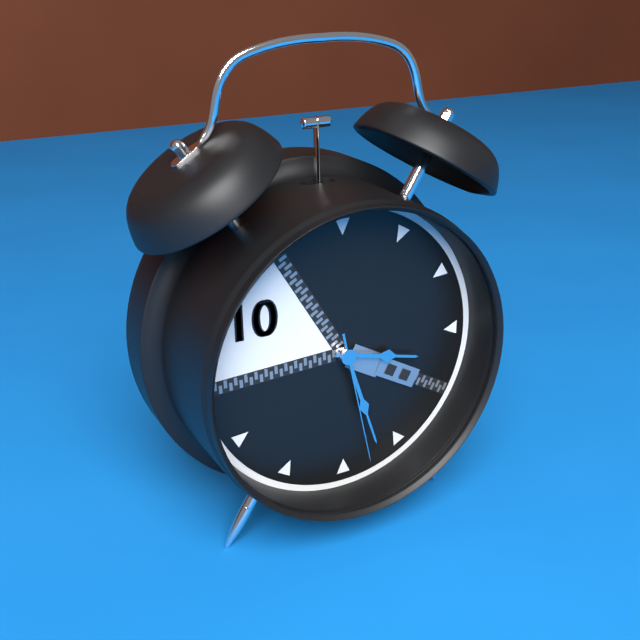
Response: 3:27:28
